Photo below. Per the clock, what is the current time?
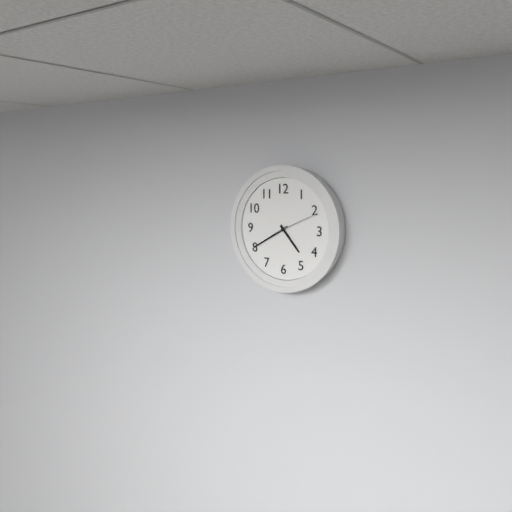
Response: 4:40
